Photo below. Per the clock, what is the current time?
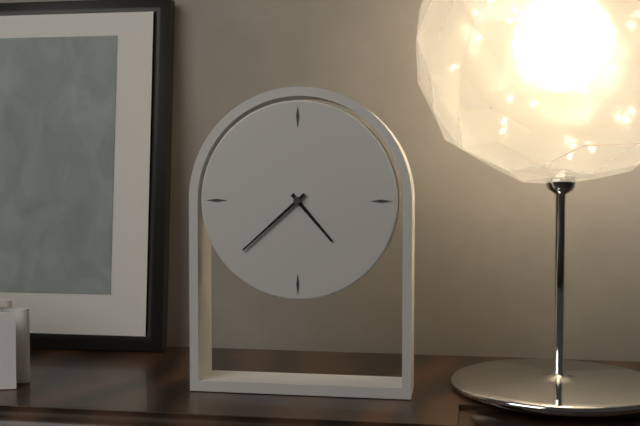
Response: 4:38
